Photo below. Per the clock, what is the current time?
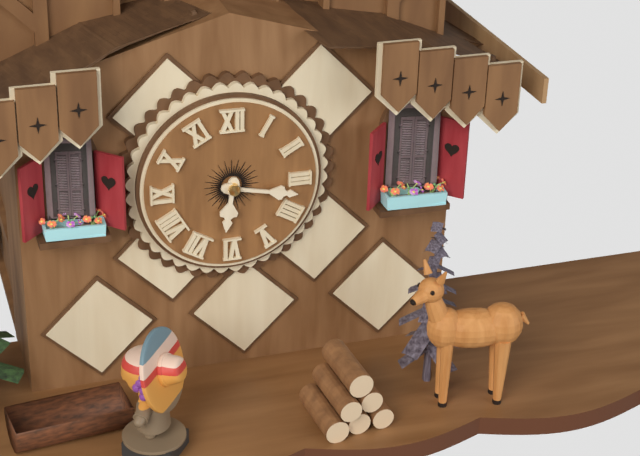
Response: 6:17
